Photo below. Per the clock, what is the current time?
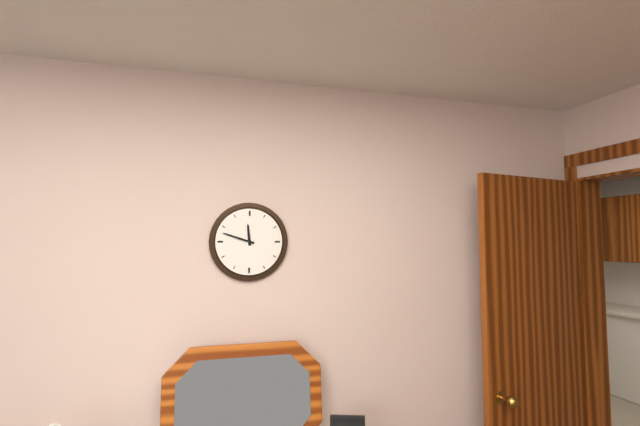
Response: 11:48
